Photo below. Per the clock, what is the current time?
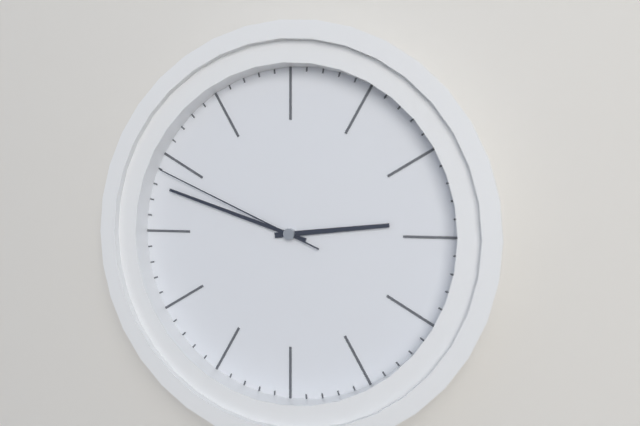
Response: 2:48:49
